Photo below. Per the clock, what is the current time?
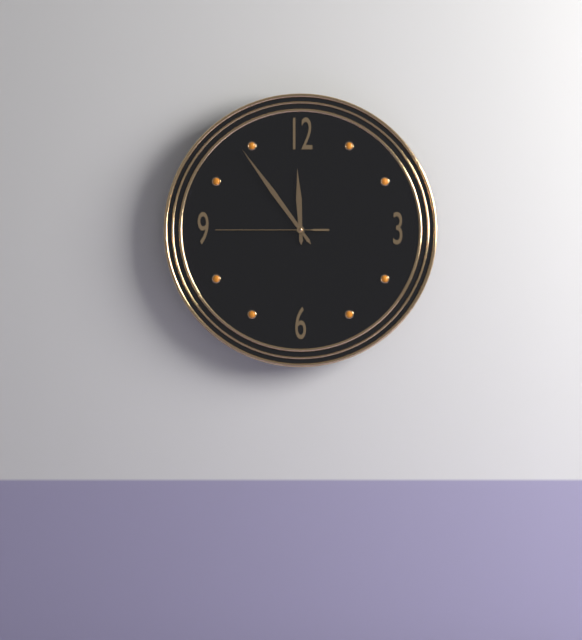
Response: 11:54:45
